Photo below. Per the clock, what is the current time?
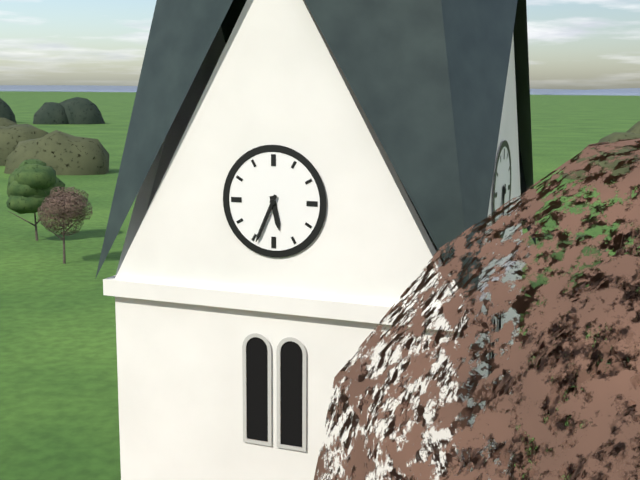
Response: 5:34
